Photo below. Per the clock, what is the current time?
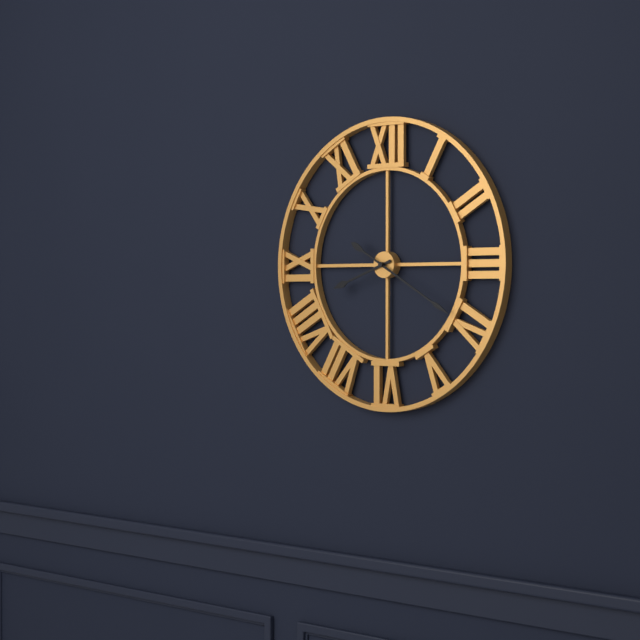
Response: 8:20
